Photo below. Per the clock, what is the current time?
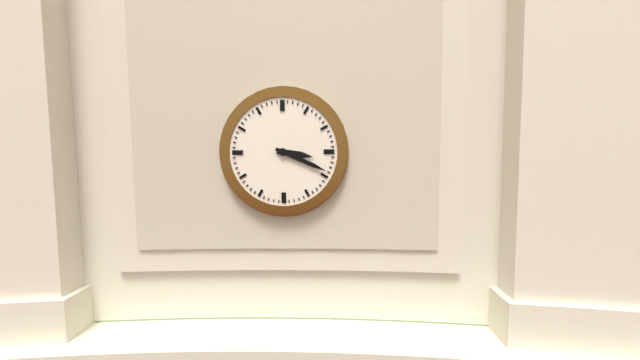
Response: 3:19
